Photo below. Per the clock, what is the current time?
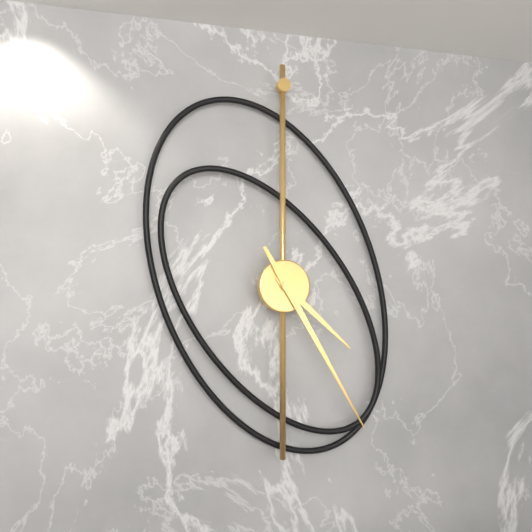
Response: 4:25
